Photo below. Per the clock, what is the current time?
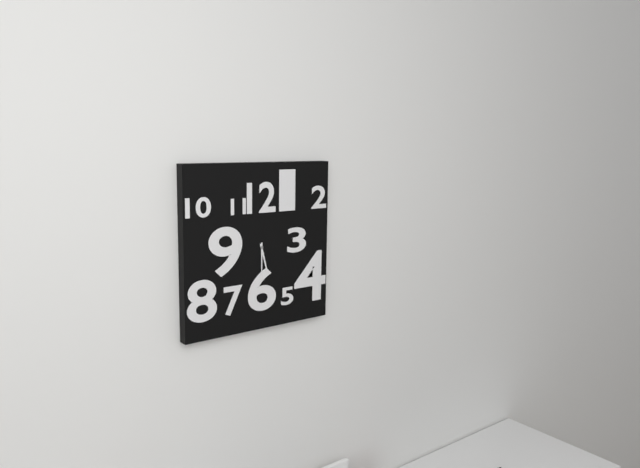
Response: 5:30
